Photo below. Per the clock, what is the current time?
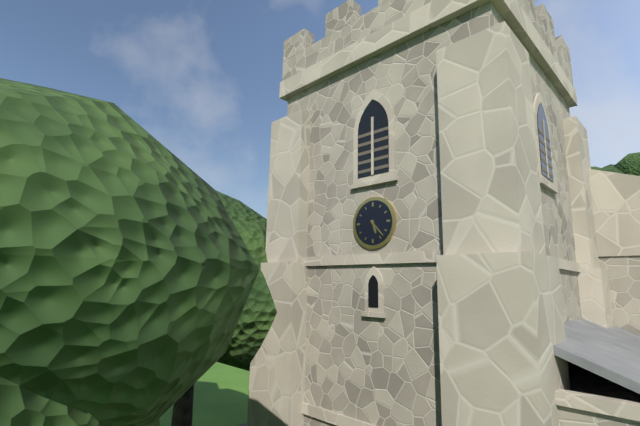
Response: 5:23
